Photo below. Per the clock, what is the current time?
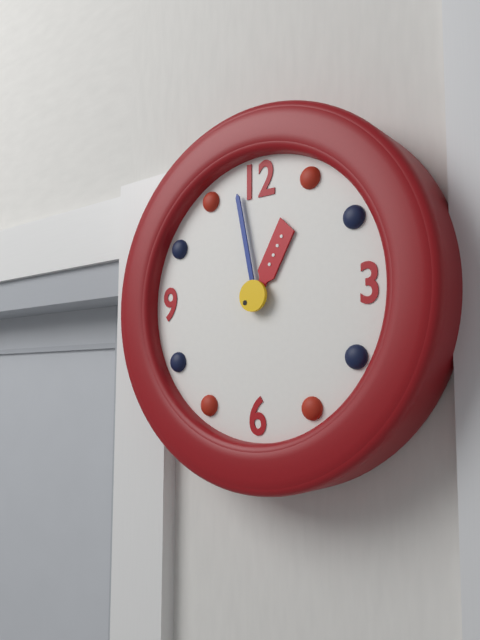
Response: 12:58
